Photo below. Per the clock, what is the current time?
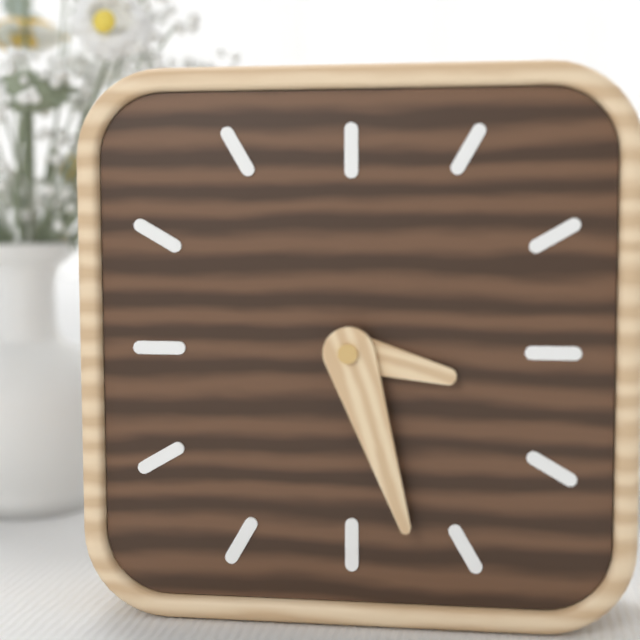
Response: 3:27
